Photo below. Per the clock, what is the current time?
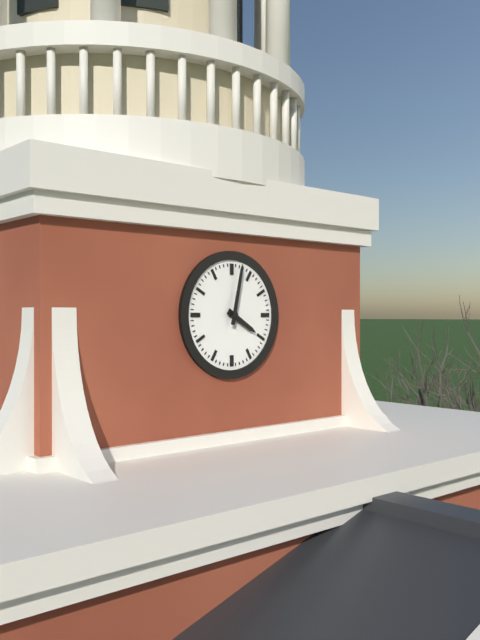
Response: 4:02
